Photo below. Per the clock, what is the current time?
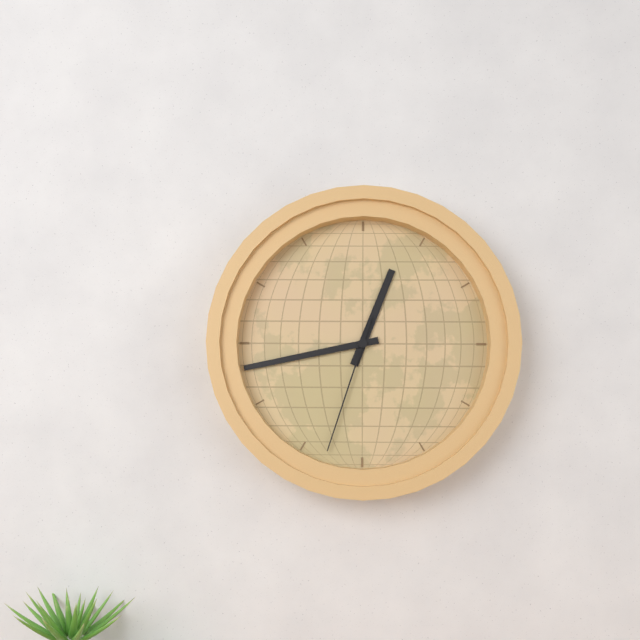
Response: 12:43:33
